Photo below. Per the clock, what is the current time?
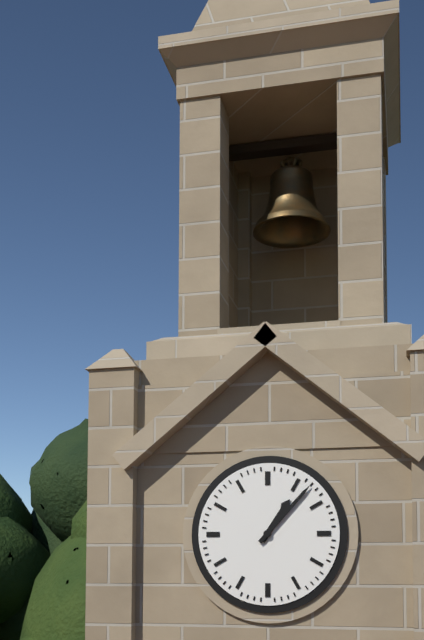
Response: 1:07
